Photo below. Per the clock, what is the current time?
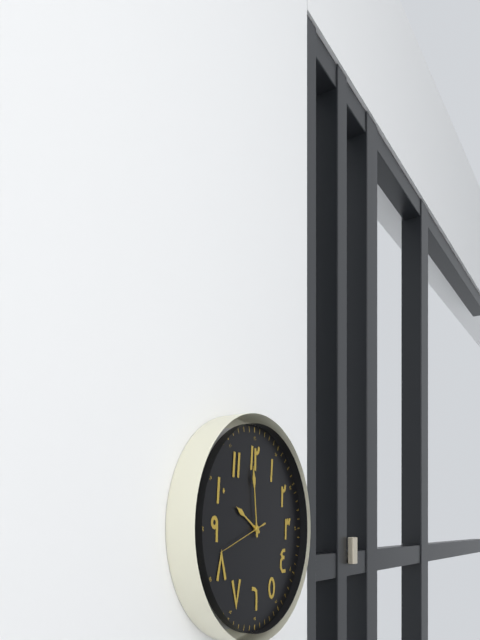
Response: 9:59:42
